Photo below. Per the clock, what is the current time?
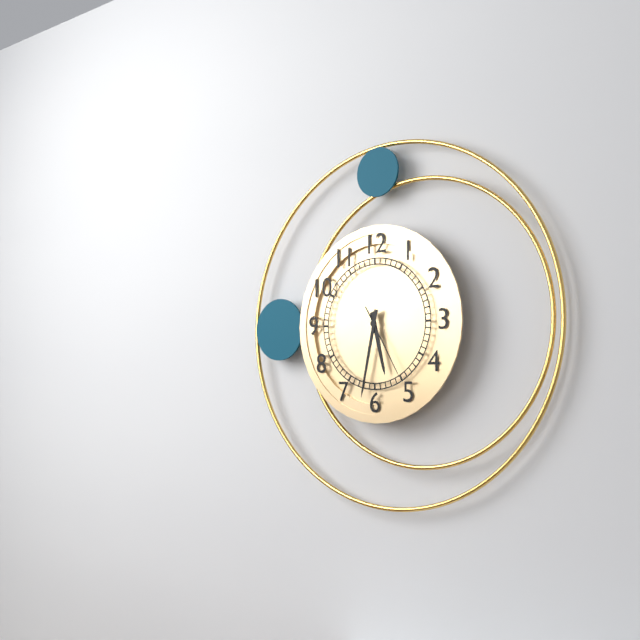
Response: 5:32:25
